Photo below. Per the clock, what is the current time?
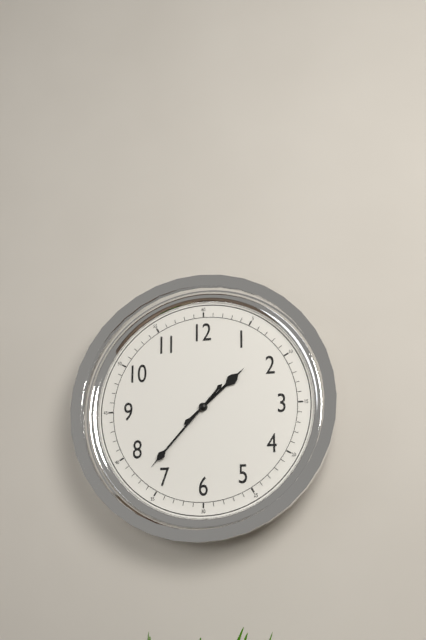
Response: 1:37
